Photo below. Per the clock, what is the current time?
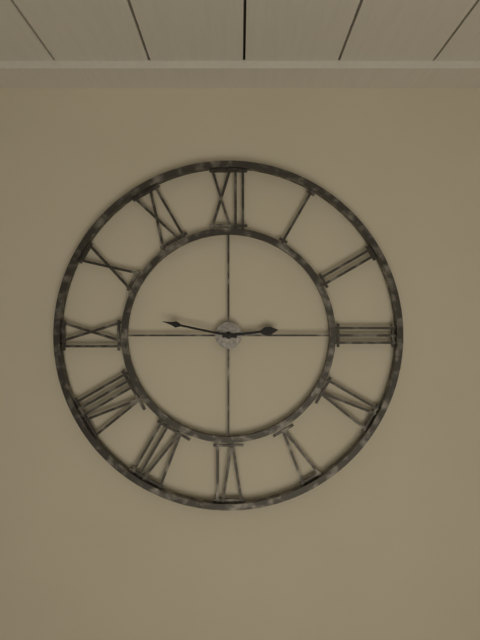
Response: 2:47
